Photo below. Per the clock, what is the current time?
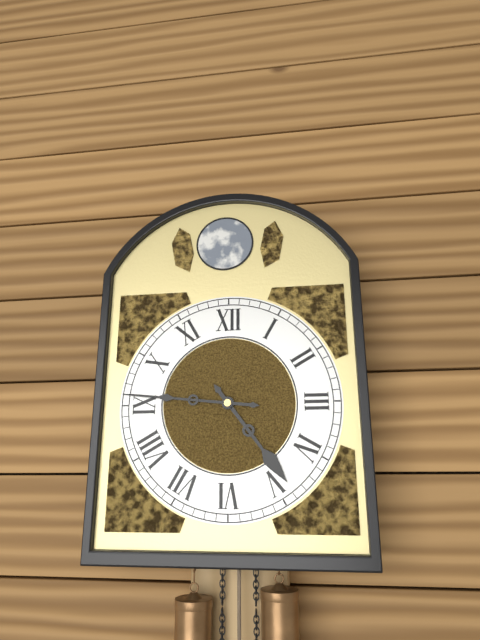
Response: 4:46
